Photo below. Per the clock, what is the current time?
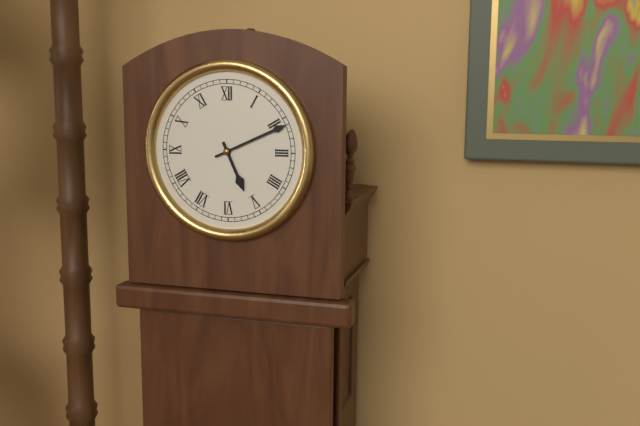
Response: 5:11
